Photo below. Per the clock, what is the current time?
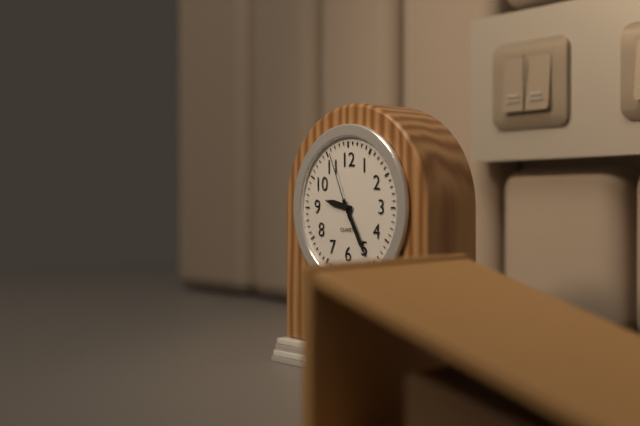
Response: 9:25:56
